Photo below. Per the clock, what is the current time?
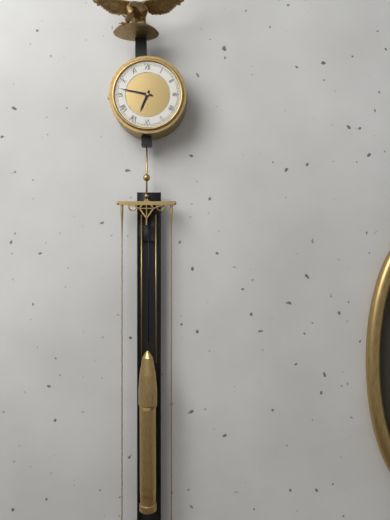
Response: 6:47
